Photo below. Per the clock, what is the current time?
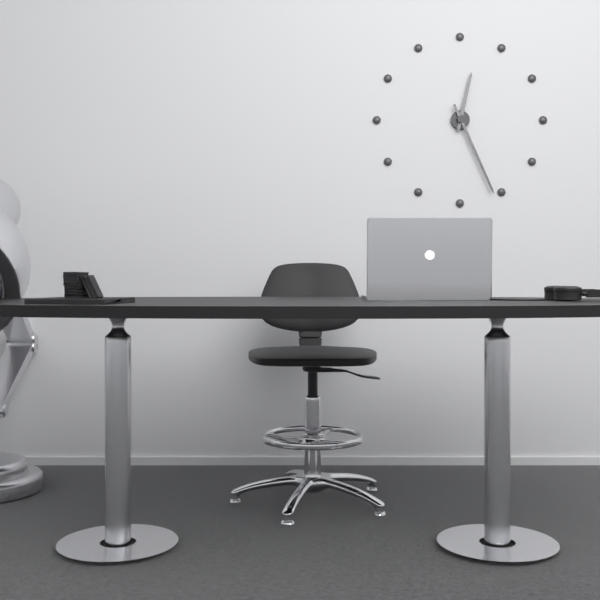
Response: 12:26
